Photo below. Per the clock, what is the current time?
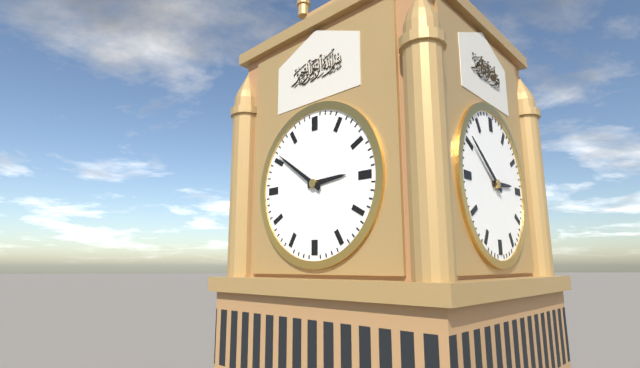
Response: 2:51
